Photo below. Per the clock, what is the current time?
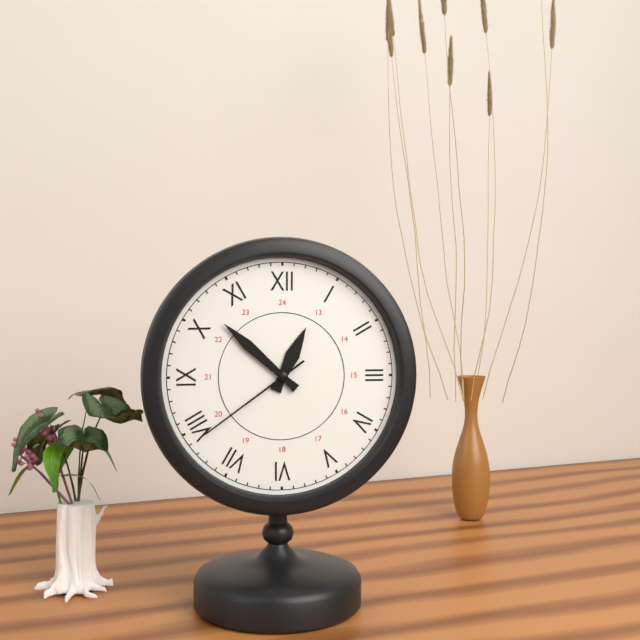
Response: 12:52:39
